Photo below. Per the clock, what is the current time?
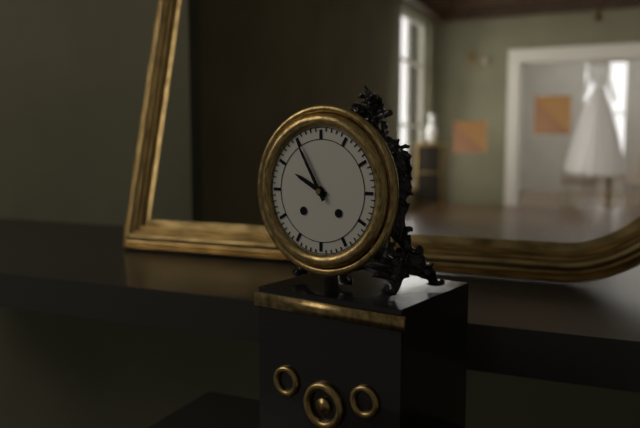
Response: 9:55
